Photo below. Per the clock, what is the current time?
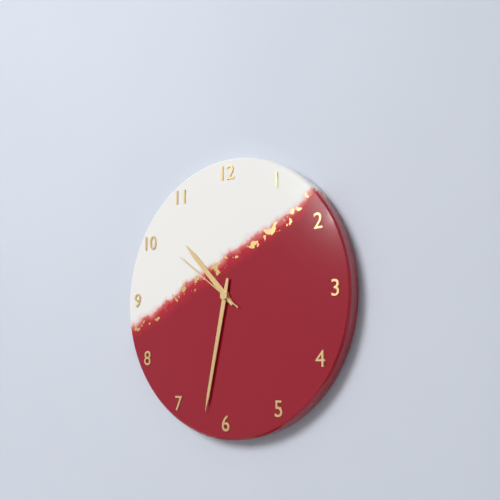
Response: 10:32:51
